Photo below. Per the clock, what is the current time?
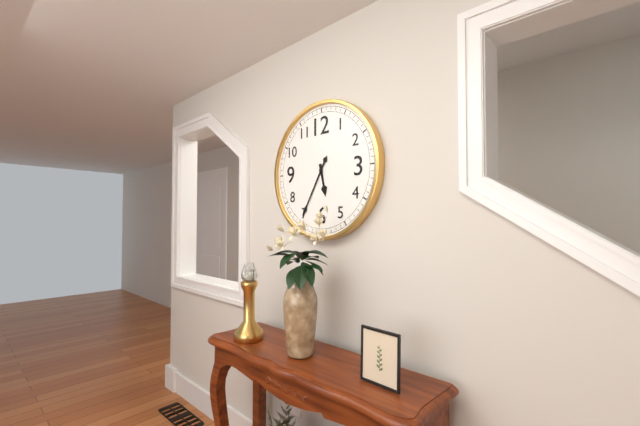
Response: 5:35
